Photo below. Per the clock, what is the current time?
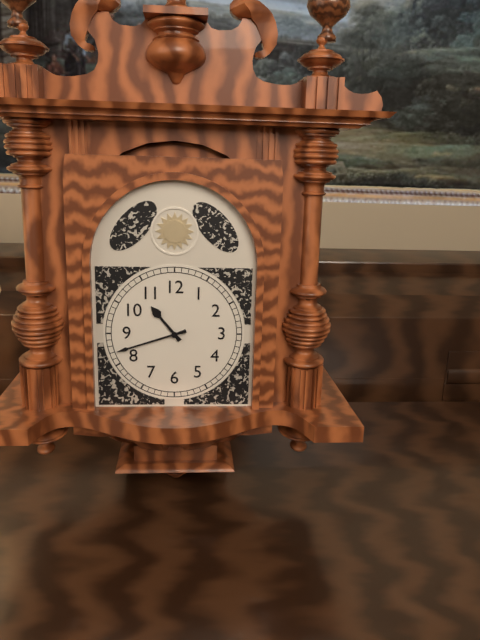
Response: 10:42
